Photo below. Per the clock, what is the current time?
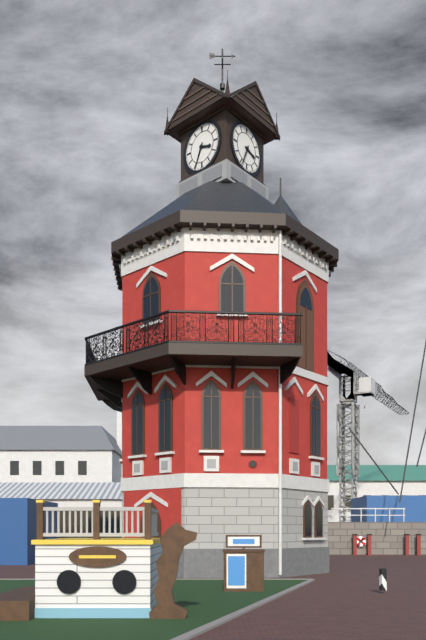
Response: 3:34
